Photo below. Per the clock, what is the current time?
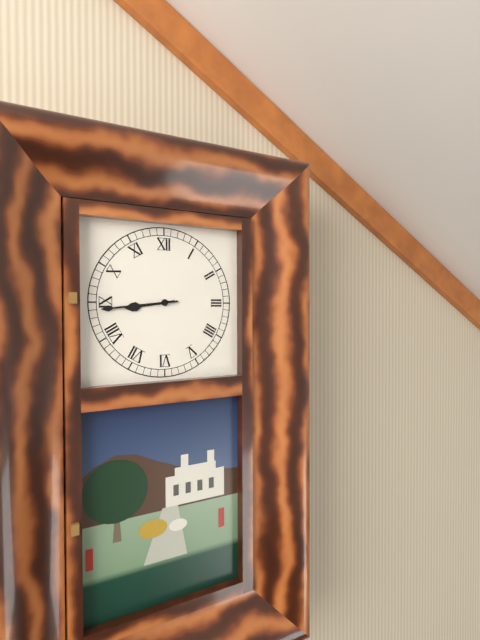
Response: 8:44
